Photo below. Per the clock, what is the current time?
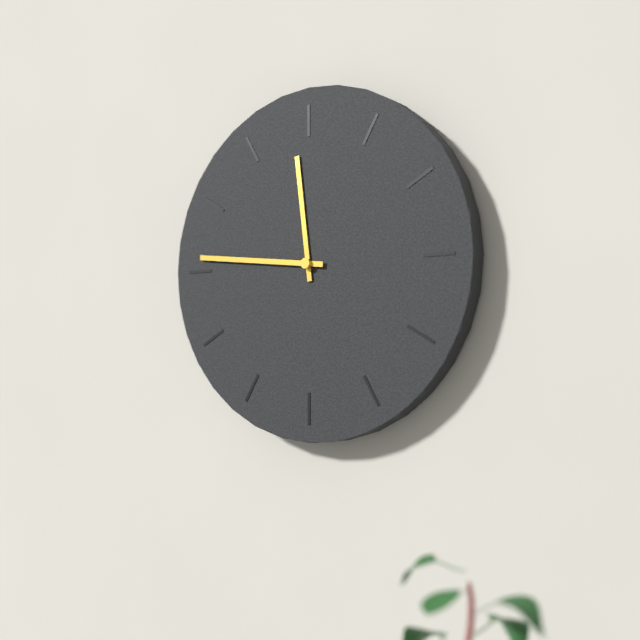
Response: 11:46
